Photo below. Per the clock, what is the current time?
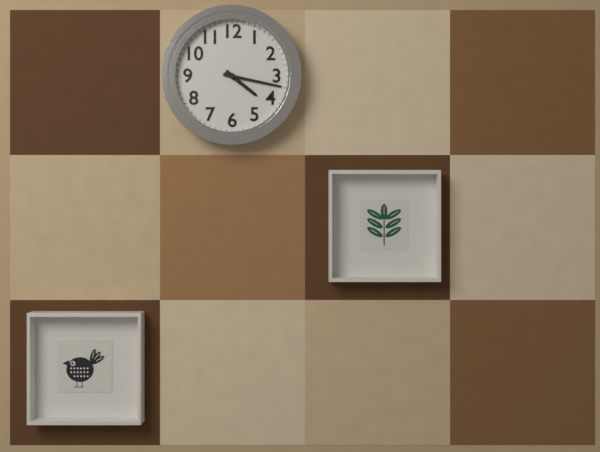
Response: 4:17
